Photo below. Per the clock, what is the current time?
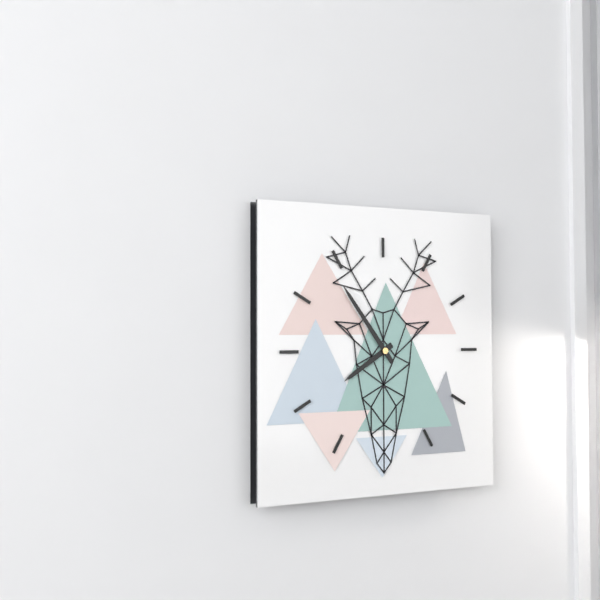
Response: 7:54
